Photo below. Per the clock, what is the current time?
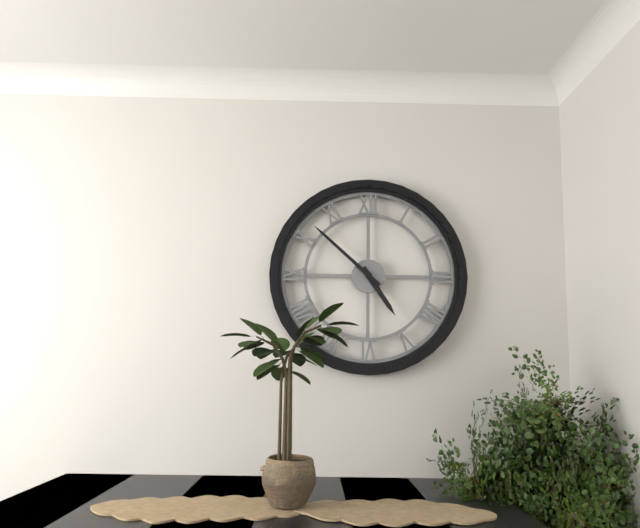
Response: 4:52
